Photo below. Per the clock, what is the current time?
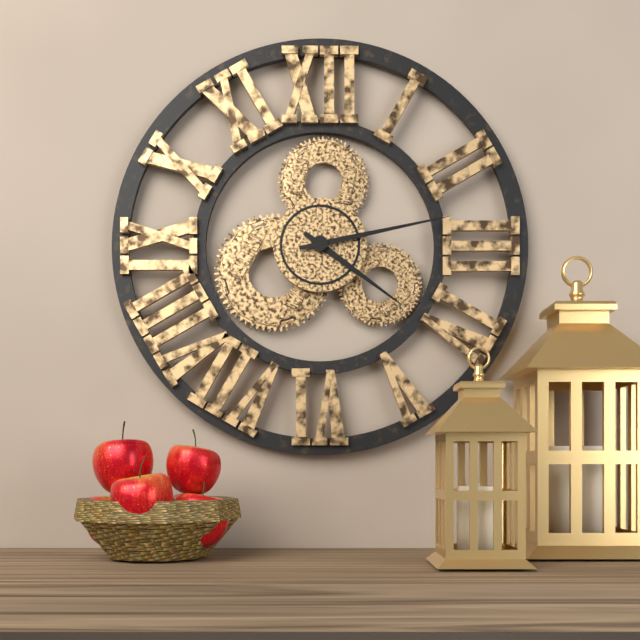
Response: 4:13
